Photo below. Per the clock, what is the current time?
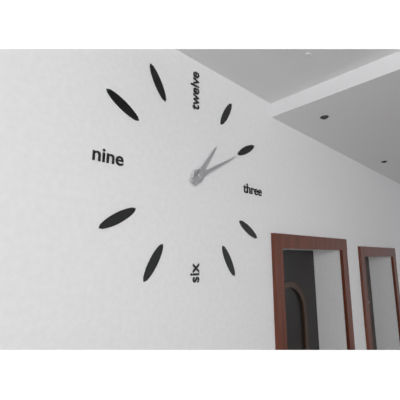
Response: 1:10
